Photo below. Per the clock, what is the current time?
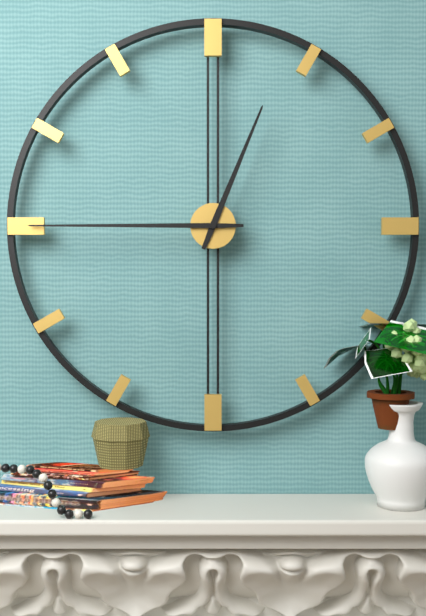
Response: 12:45
